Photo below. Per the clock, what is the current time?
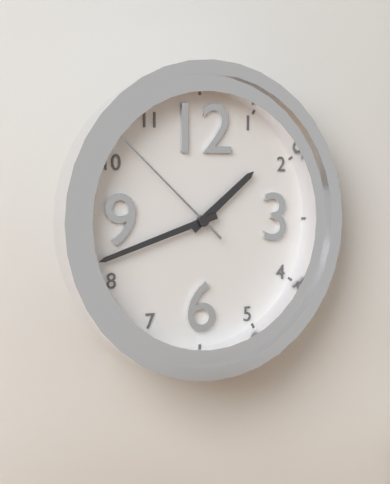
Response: 1:42:52
